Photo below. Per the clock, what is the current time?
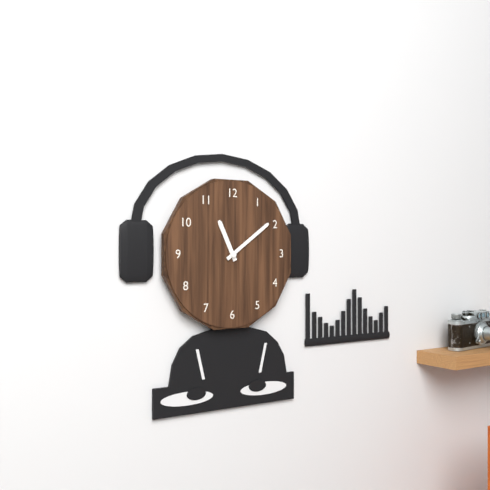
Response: 11:09
